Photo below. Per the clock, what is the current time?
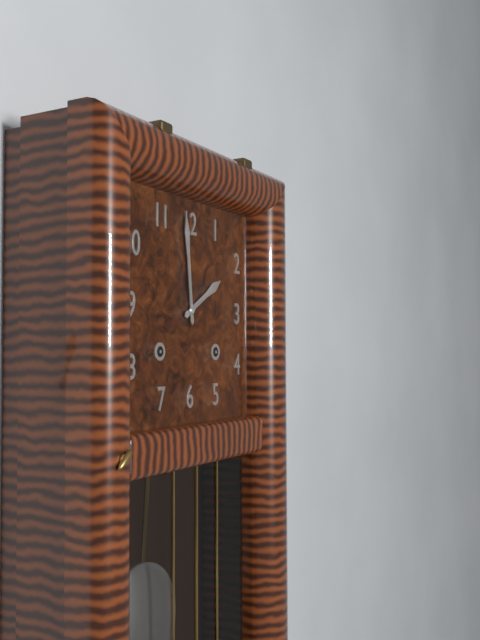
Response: 1:59
